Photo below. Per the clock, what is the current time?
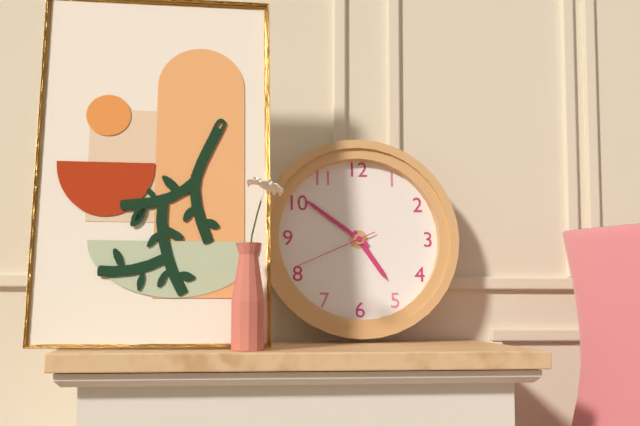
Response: 4:51:41
